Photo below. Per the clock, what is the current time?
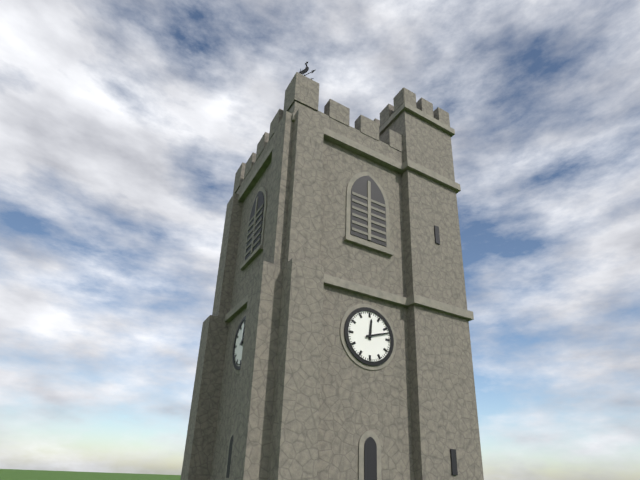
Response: 12:12
